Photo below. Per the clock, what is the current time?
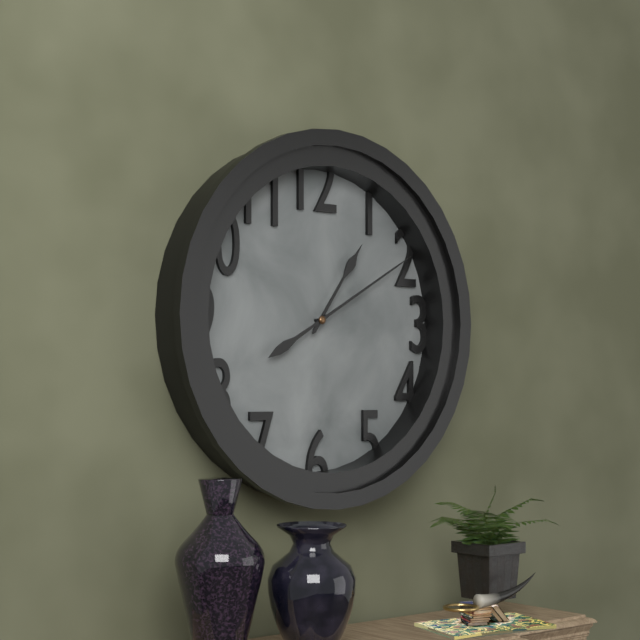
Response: 1:10
